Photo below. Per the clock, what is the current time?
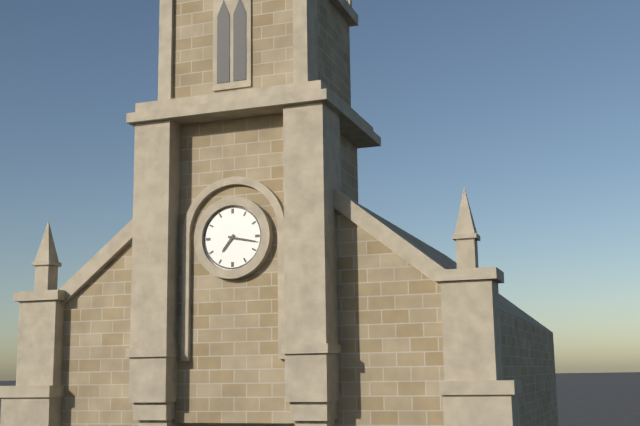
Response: 7:17
